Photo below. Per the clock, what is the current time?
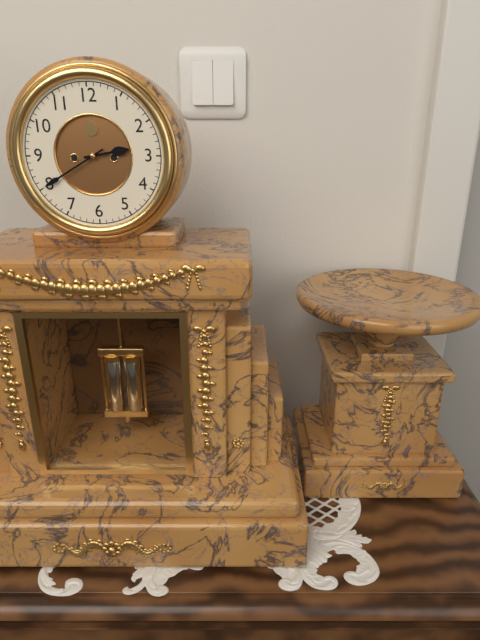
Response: 2:40
